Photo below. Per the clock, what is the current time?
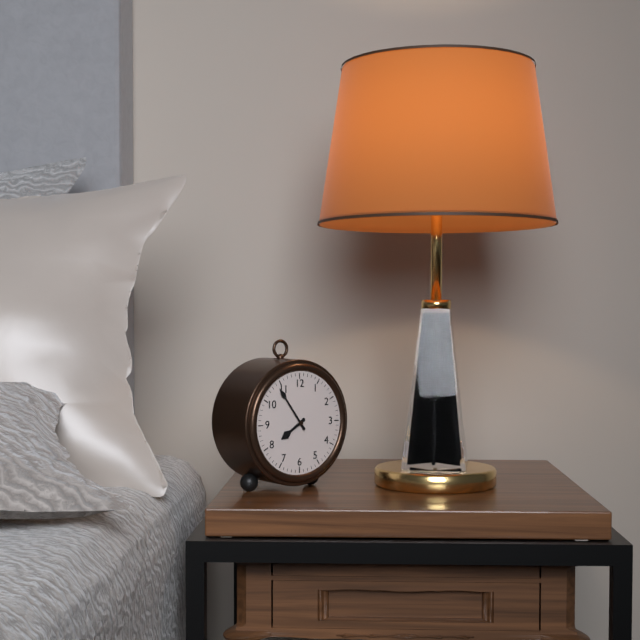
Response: 7:54
